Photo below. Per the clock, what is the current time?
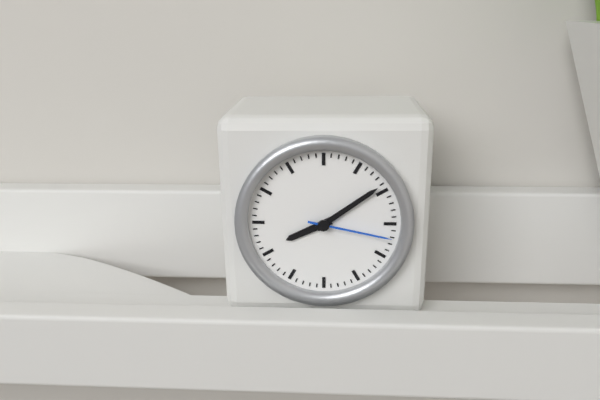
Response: 8:09:17
